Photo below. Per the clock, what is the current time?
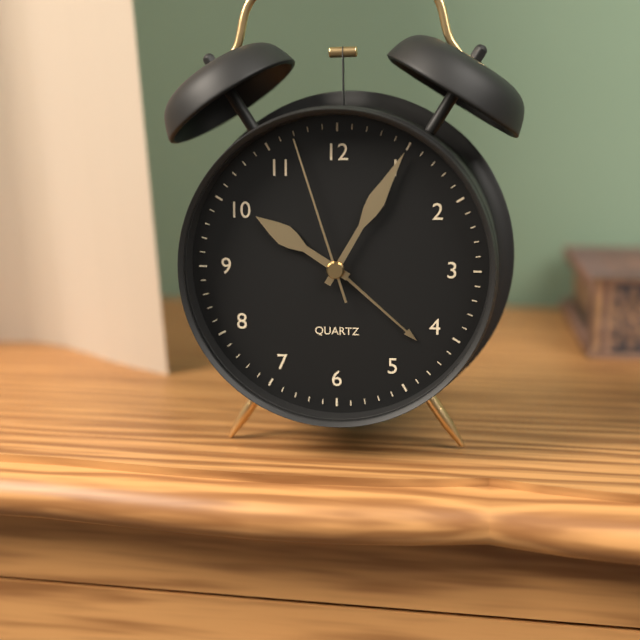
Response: 10:05:57
